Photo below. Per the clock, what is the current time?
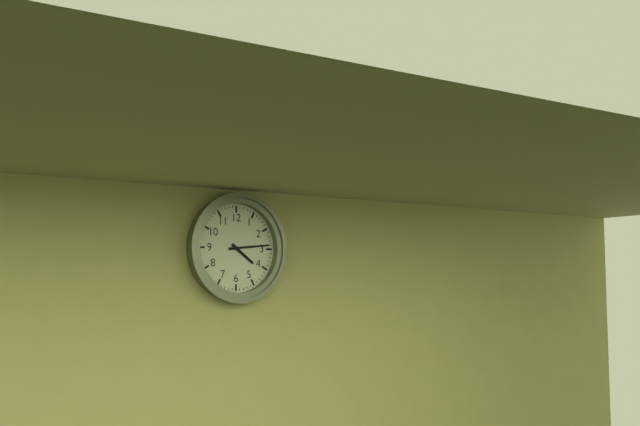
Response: 4:14
